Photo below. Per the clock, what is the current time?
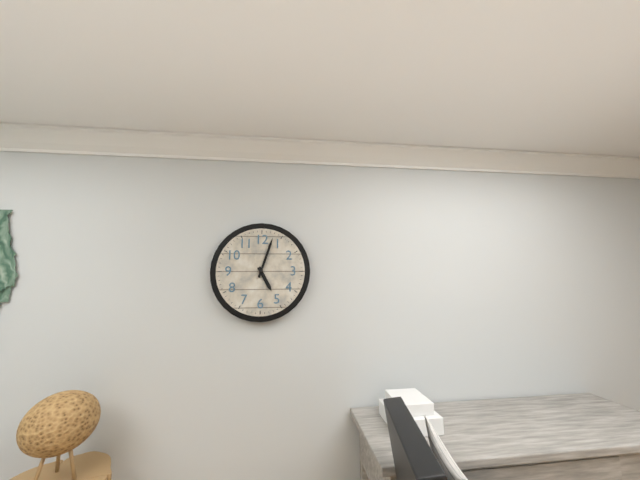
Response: 5:03
